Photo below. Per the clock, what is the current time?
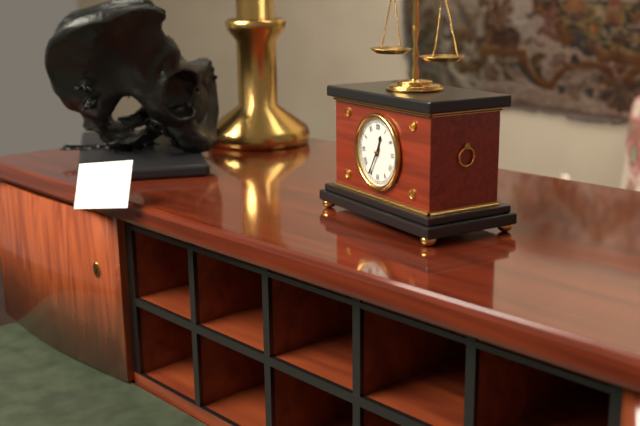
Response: 12:35
